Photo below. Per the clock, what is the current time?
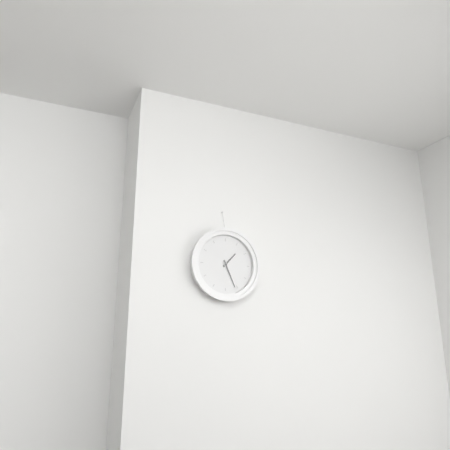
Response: 1:26
